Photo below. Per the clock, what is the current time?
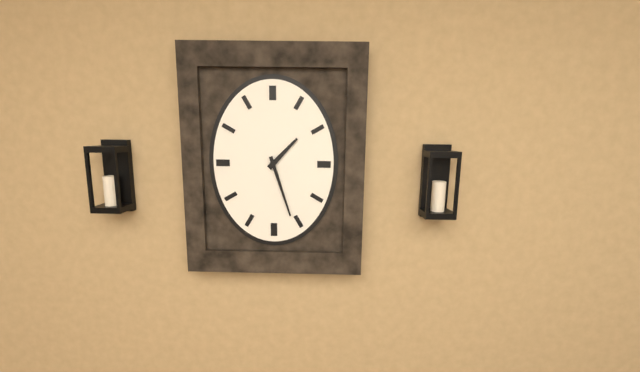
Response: 1:27
